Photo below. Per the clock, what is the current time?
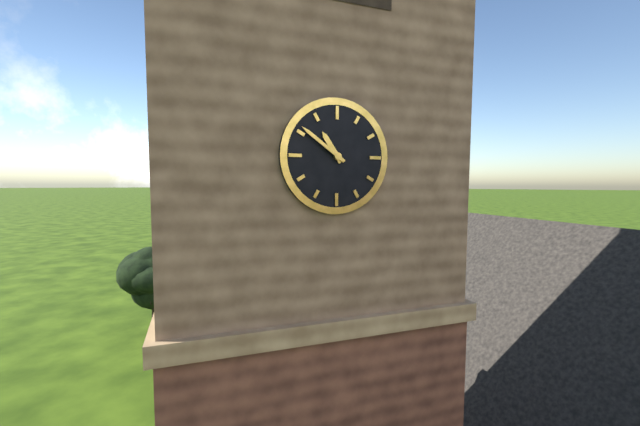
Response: 10:51
